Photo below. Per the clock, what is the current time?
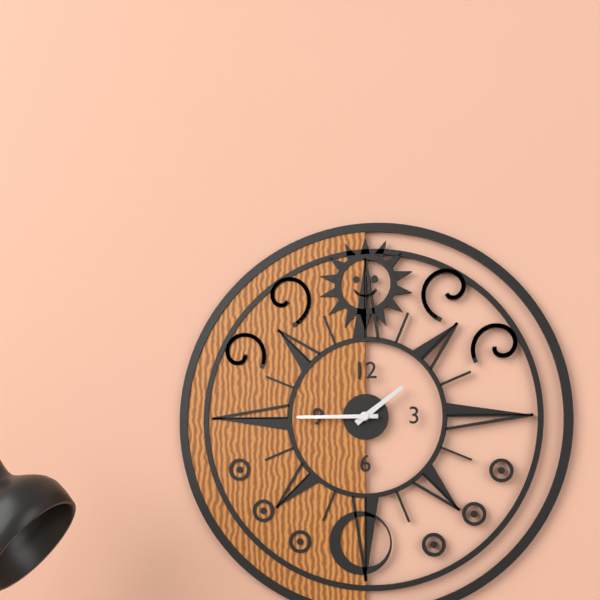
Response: 1:45
